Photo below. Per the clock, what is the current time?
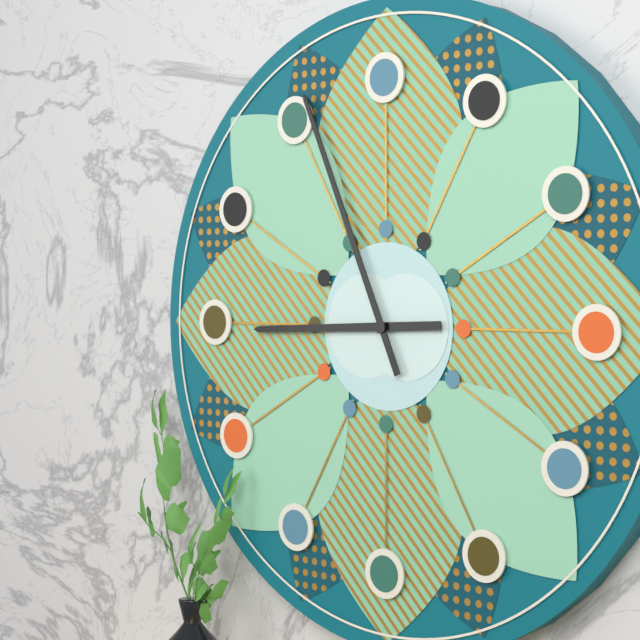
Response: 8:56
